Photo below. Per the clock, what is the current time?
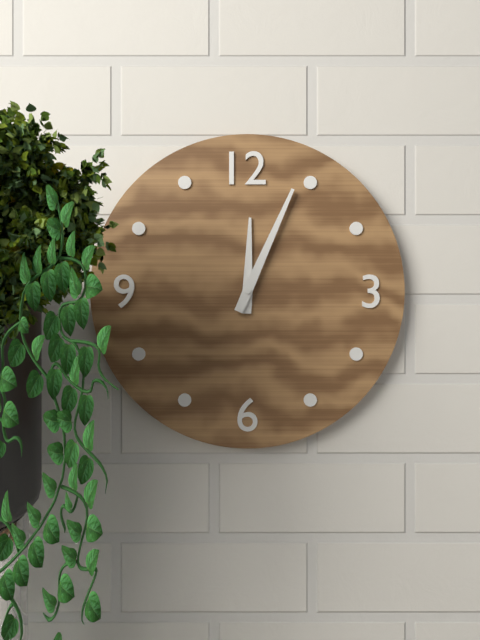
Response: 12:04
